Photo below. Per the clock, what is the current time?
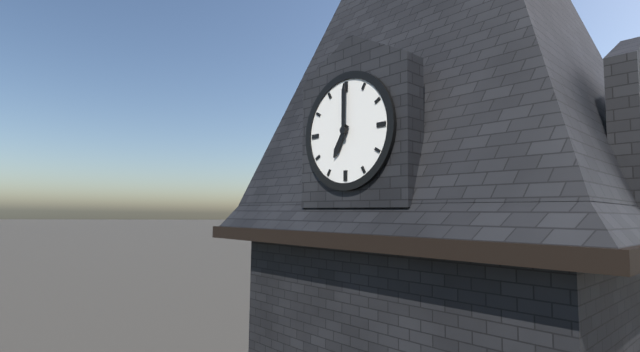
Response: 7:00
